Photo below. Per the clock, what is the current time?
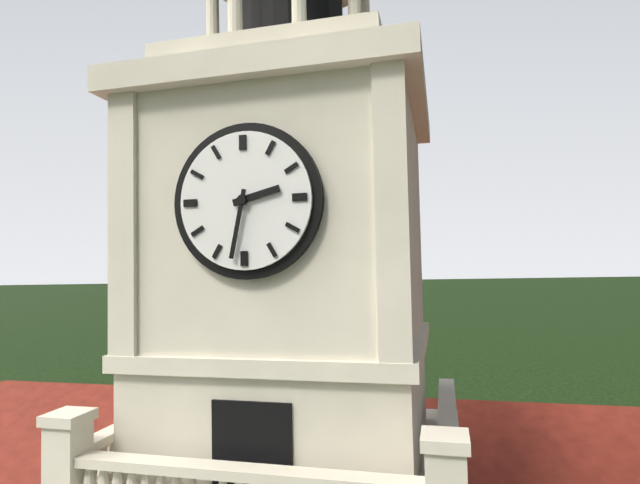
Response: 2:32
